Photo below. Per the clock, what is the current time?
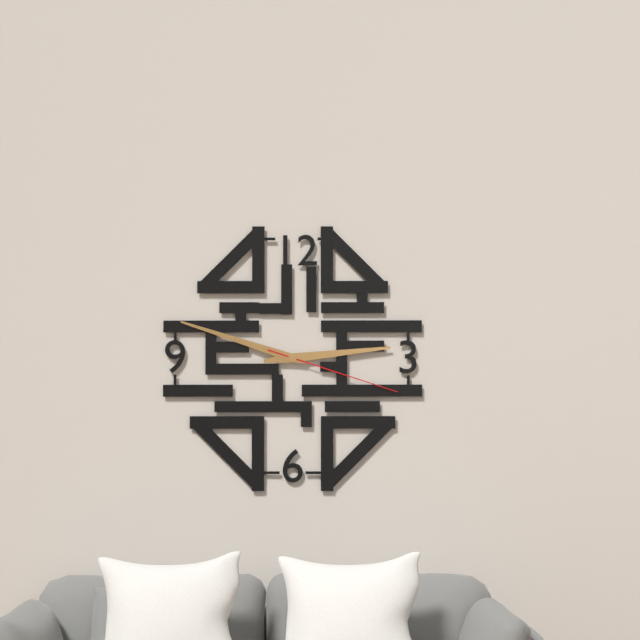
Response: 2:48:18
